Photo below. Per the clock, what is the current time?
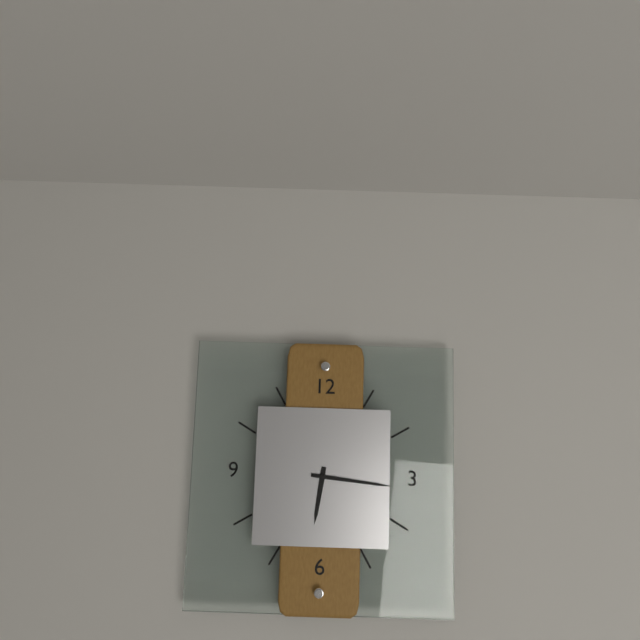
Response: 6:16
